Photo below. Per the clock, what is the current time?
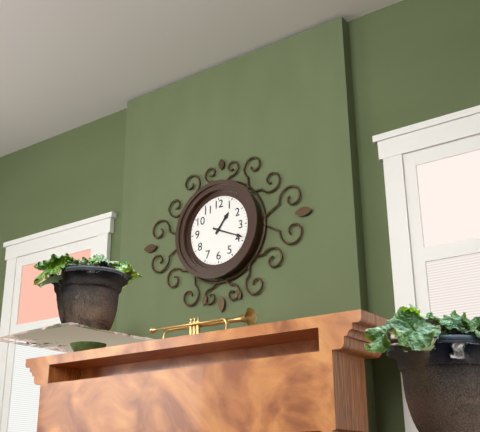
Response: 1:19
